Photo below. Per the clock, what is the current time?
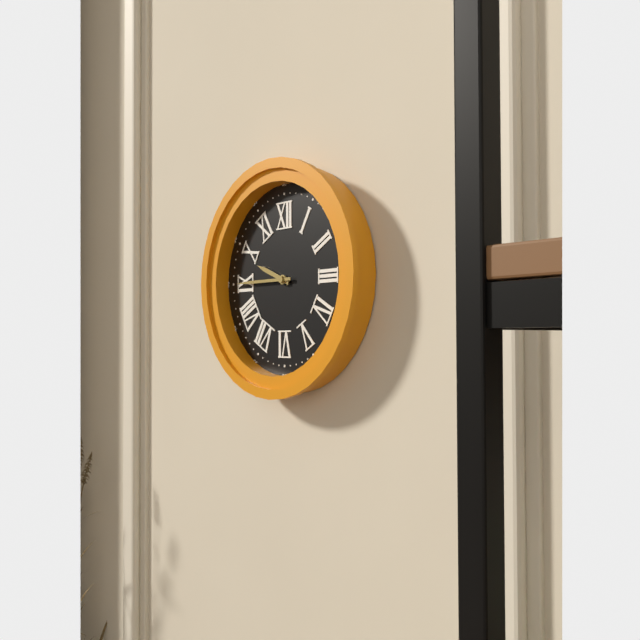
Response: 9:45
